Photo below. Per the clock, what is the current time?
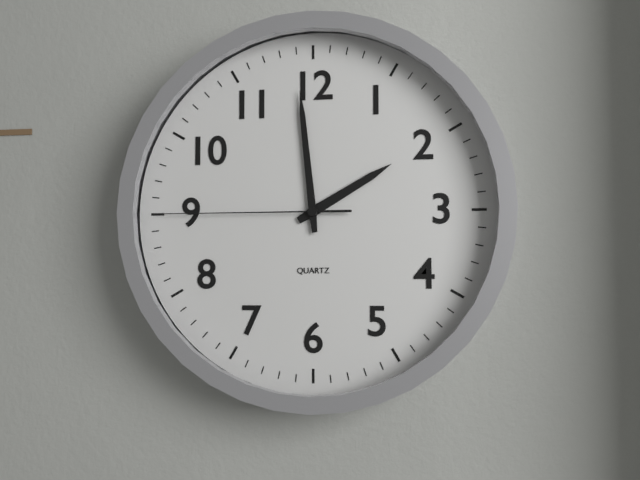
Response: 1:59:45
